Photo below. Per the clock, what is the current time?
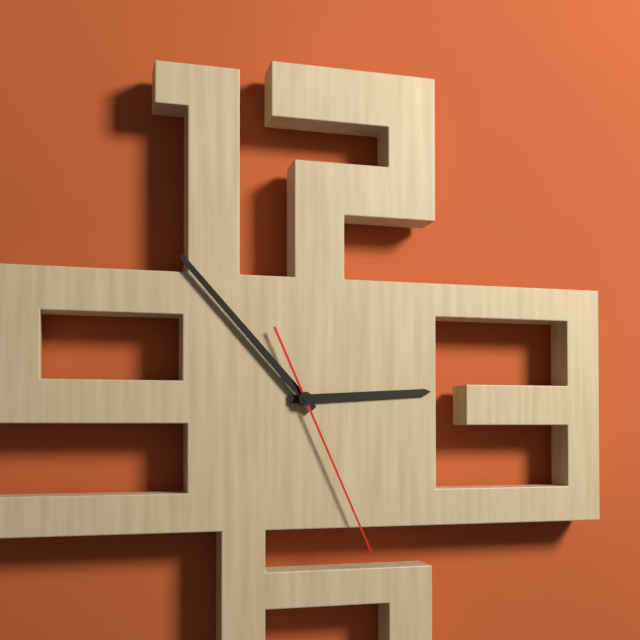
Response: 2:53:26
